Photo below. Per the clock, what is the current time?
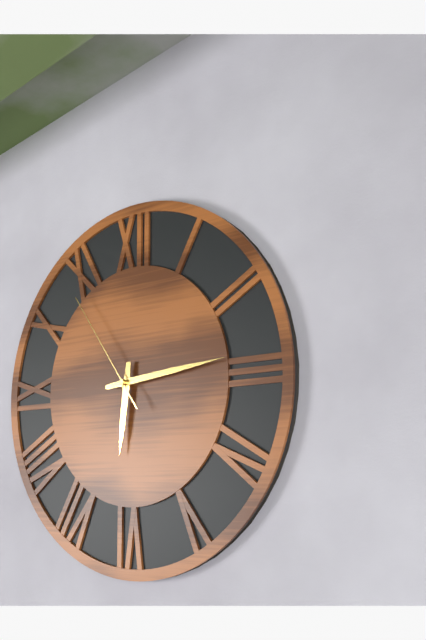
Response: 6:14:54
